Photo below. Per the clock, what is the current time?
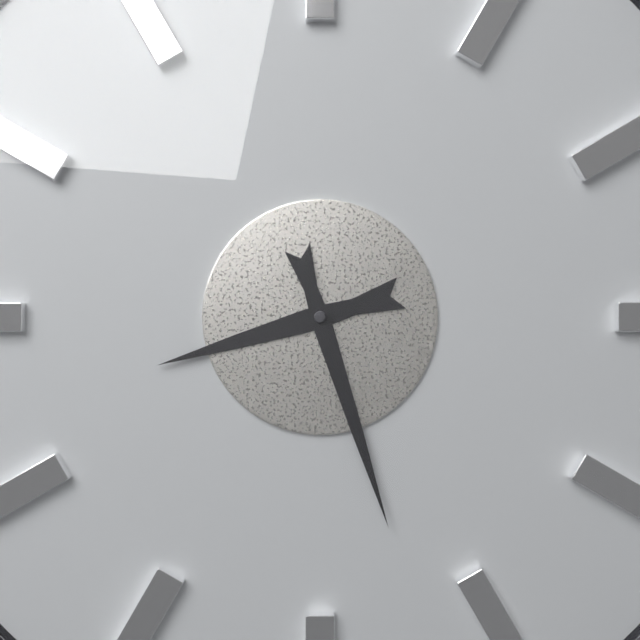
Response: 8:27
